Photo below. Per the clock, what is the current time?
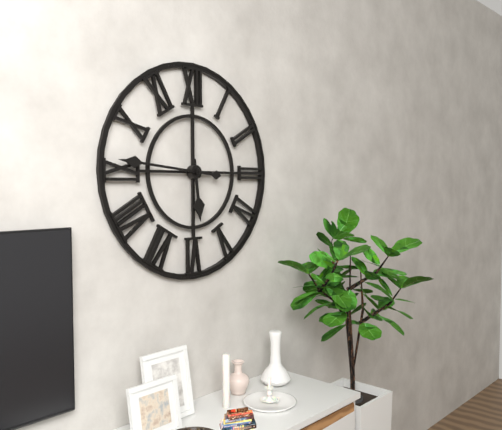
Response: 5:46
